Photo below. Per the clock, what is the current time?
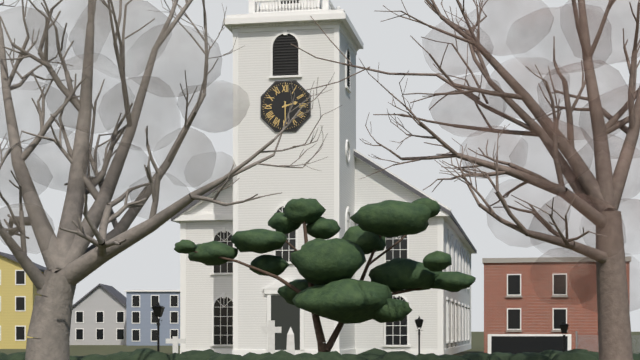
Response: 2:30
